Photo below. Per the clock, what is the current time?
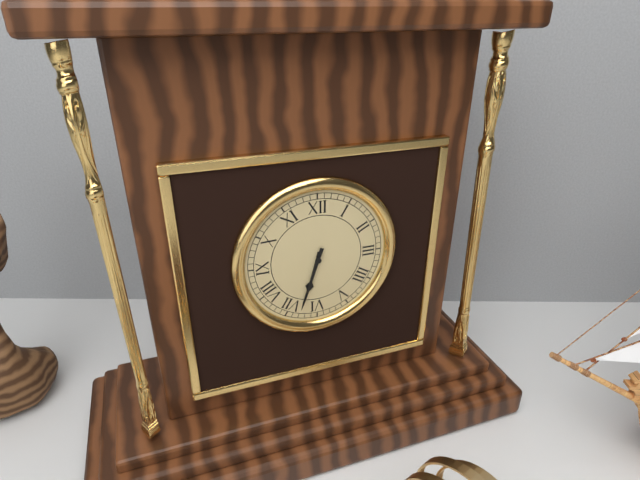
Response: 6:33
